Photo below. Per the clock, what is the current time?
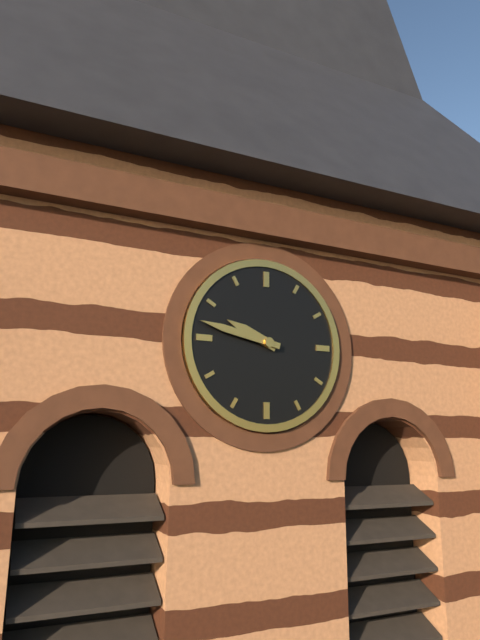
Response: 9:47
